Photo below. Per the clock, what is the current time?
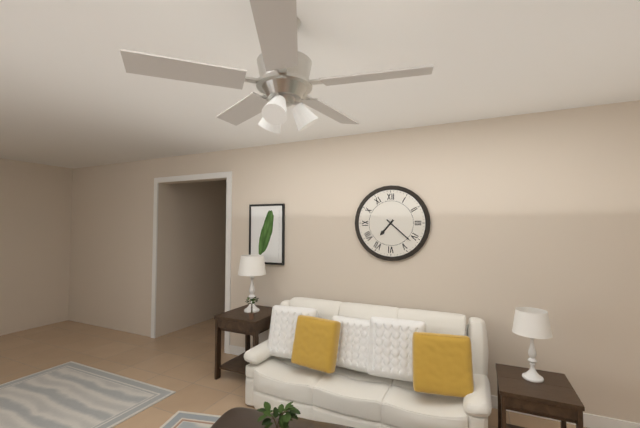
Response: 7:22
